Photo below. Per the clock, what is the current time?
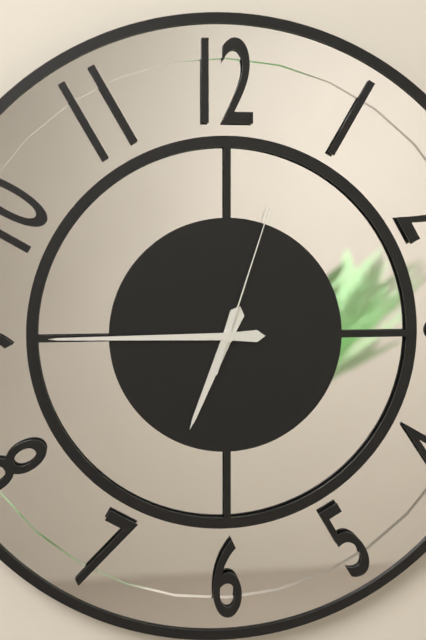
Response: 6:45:03
